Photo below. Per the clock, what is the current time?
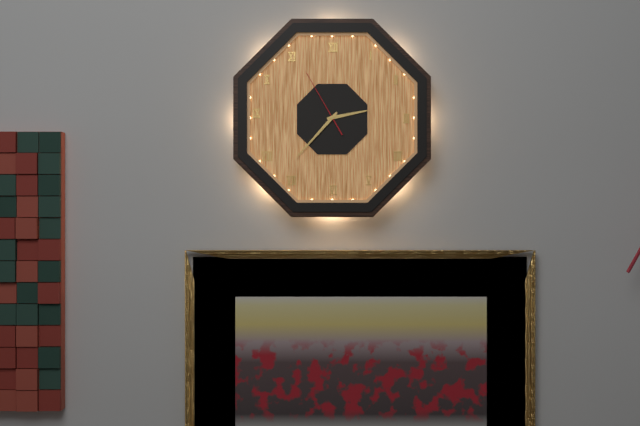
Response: 2:37:55
